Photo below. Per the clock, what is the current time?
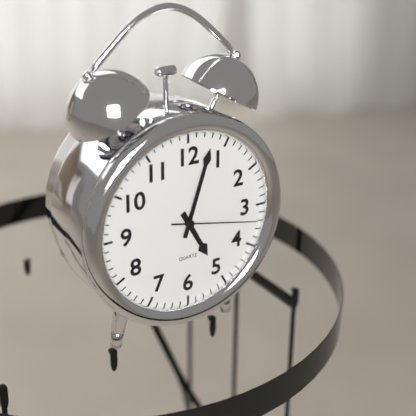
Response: 5:03:17
